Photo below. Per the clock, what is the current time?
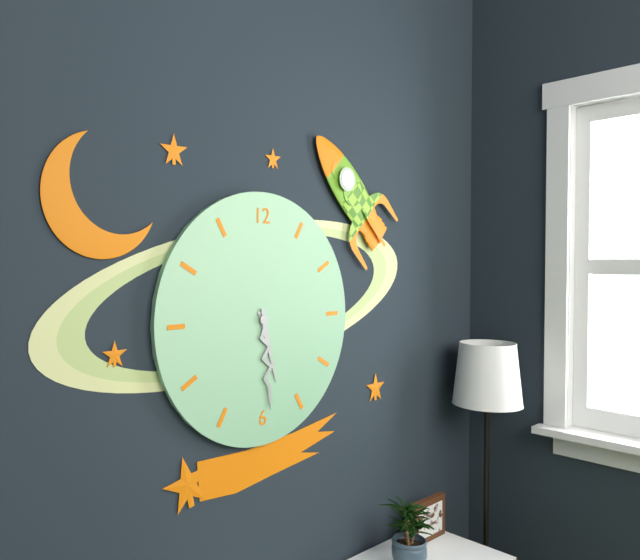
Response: 5:29
